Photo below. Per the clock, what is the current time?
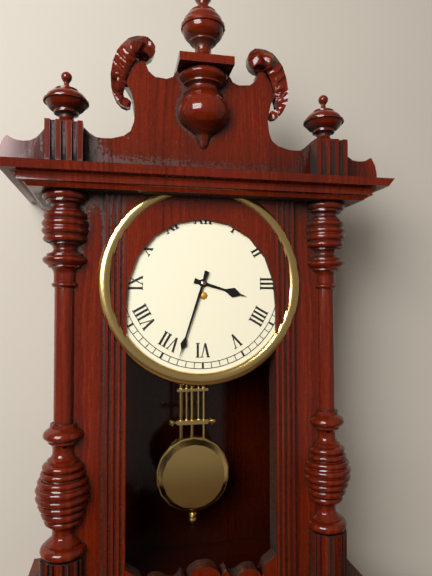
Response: 3:33
